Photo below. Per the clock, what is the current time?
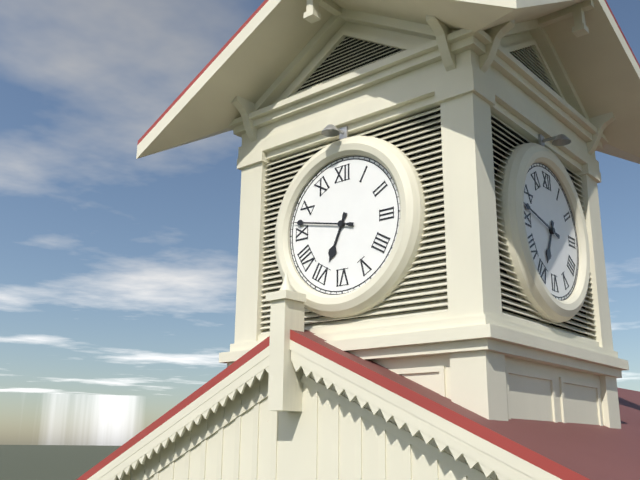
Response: 6:47
